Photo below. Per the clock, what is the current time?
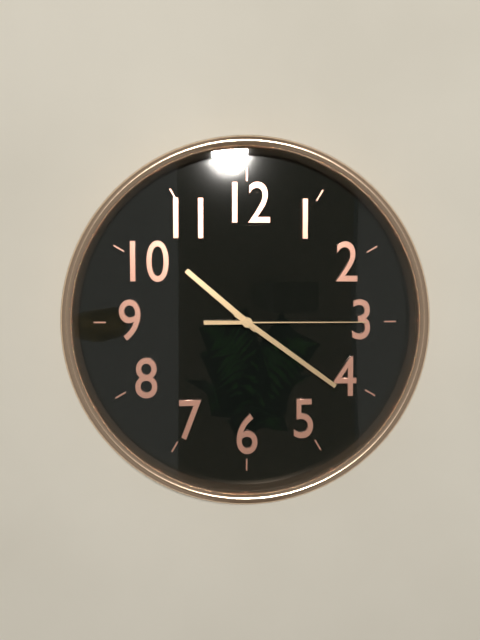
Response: 10:21:15
